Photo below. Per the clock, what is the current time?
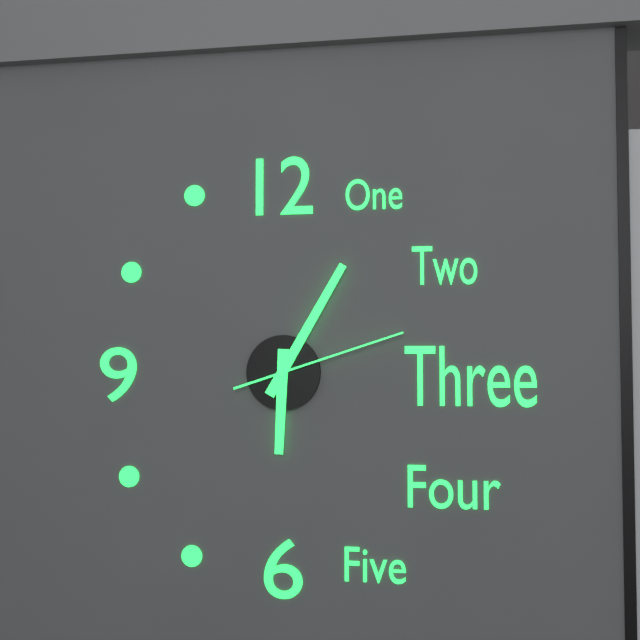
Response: 6:05:12
